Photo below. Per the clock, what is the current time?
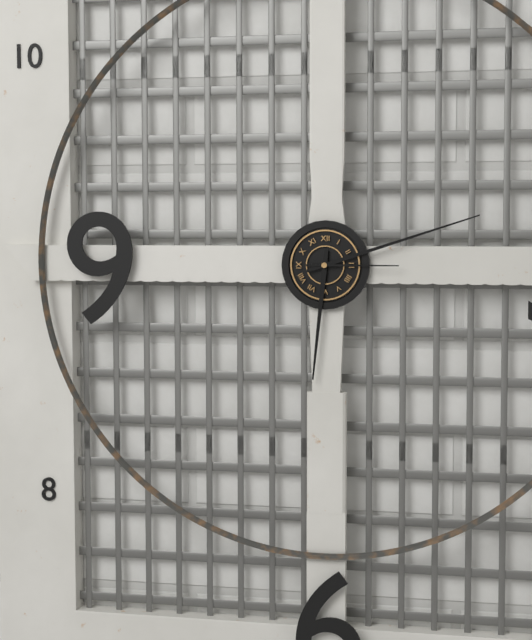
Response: 6:12:15
